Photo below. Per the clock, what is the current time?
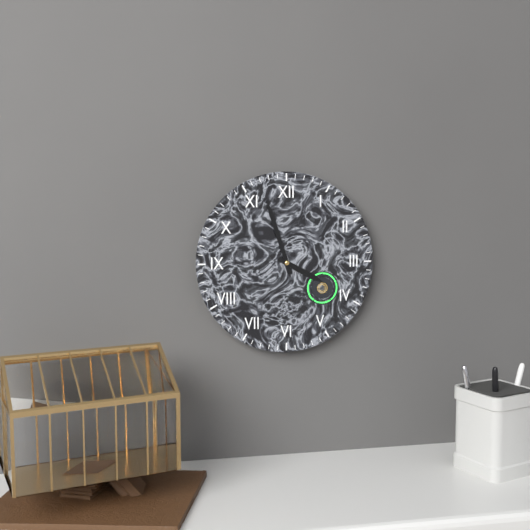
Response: 3:57
